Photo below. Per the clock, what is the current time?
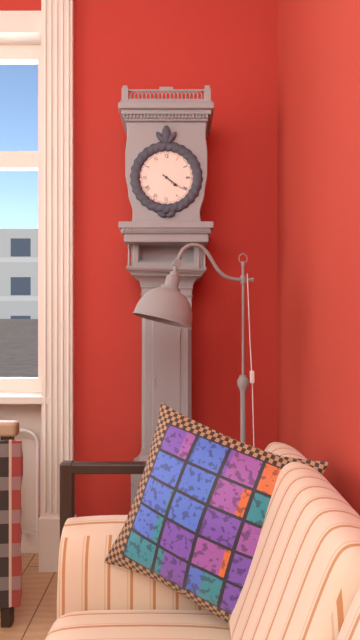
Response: 4:21
